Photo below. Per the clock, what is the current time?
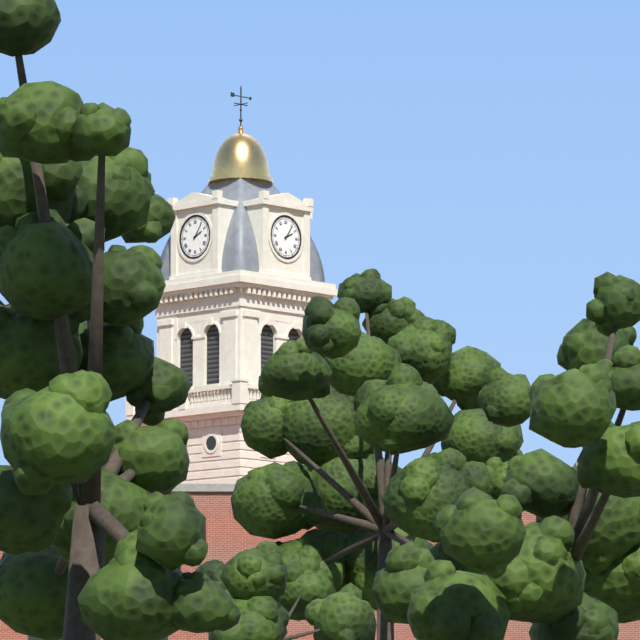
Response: 2:06
